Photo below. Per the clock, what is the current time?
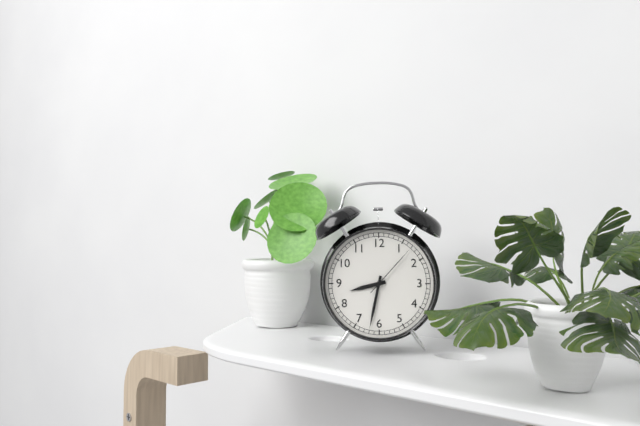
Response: 8:32:07
